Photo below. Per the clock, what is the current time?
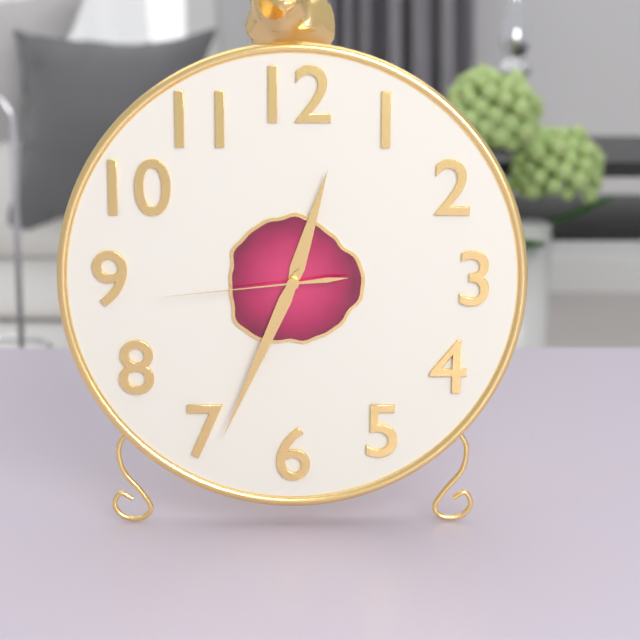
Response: 12:34:44
